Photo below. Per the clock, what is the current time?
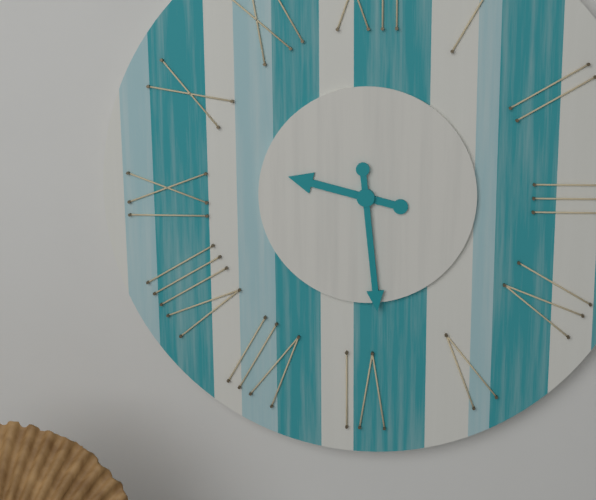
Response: 9:29
